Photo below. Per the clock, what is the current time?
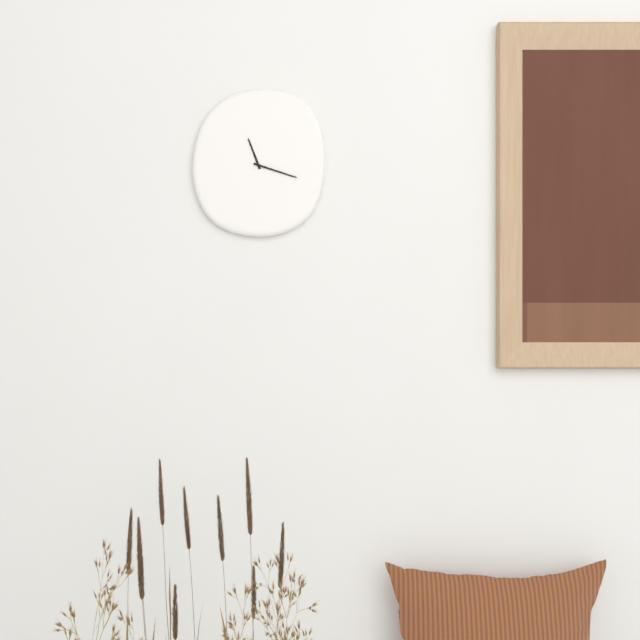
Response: 11:18
